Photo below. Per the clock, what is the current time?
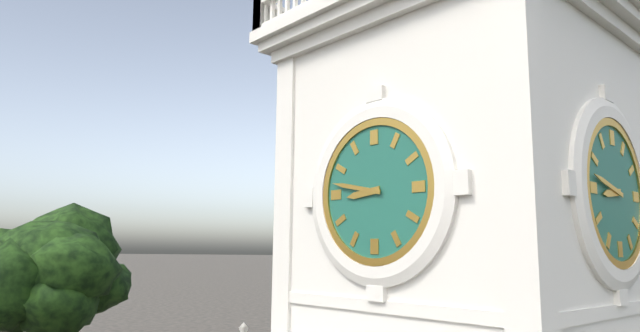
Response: 8:47
